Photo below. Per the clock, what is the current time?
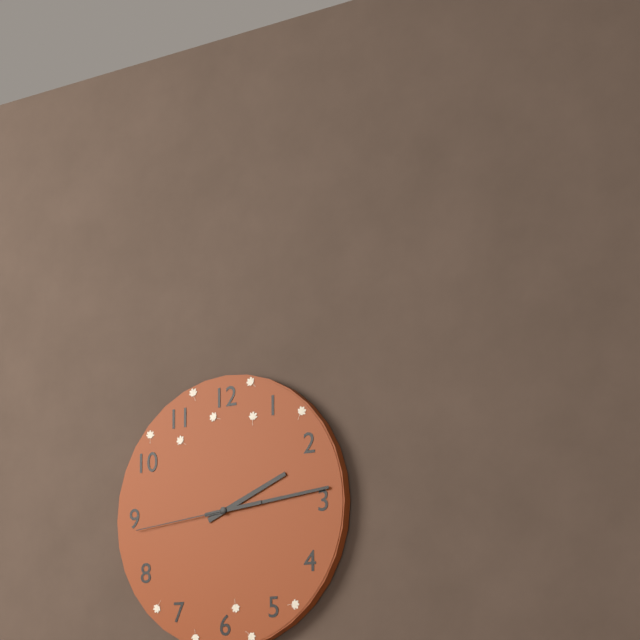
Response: 2:14:44
